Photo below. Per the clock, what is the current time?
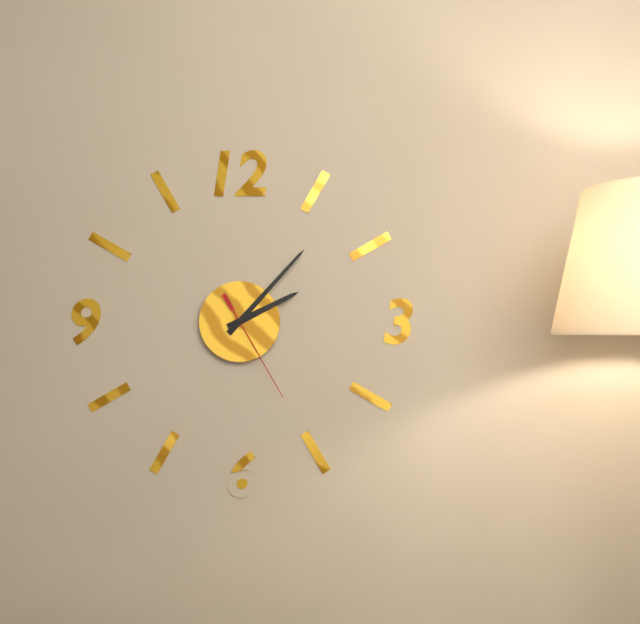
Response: 2:07:25
